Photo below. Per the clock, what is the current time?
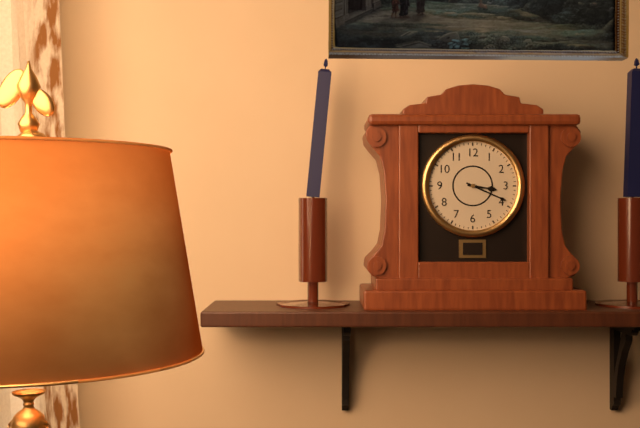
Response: 3:19
